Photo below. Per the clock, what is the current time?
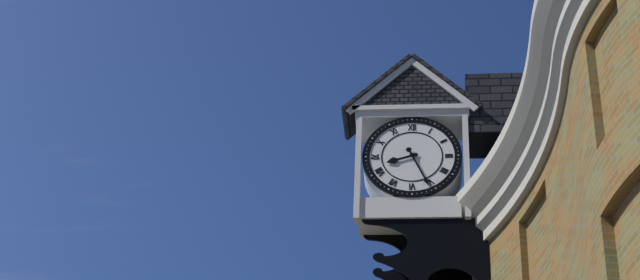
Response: 8:26
